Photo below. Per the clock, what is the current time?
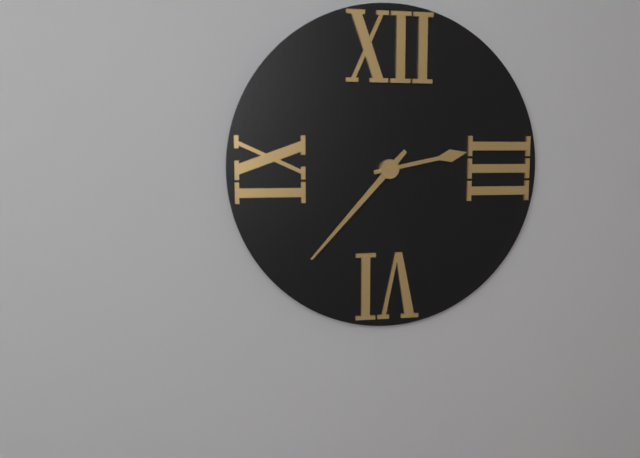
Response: 2:37
